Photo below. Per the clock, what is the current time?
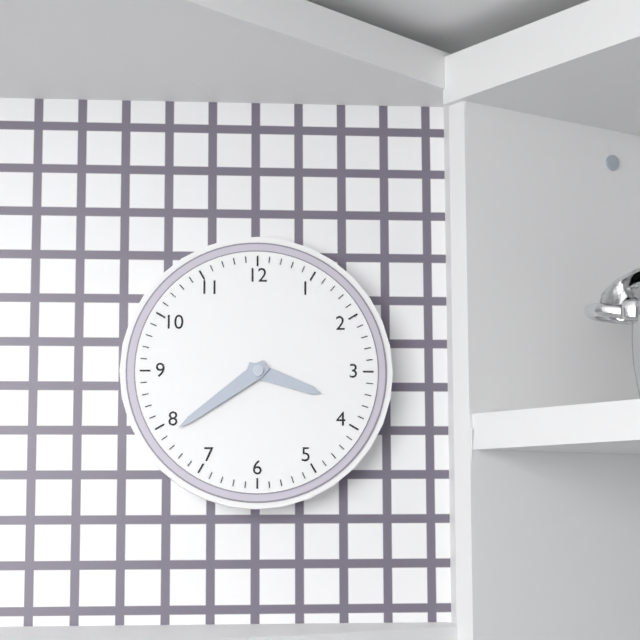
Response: 3:39
